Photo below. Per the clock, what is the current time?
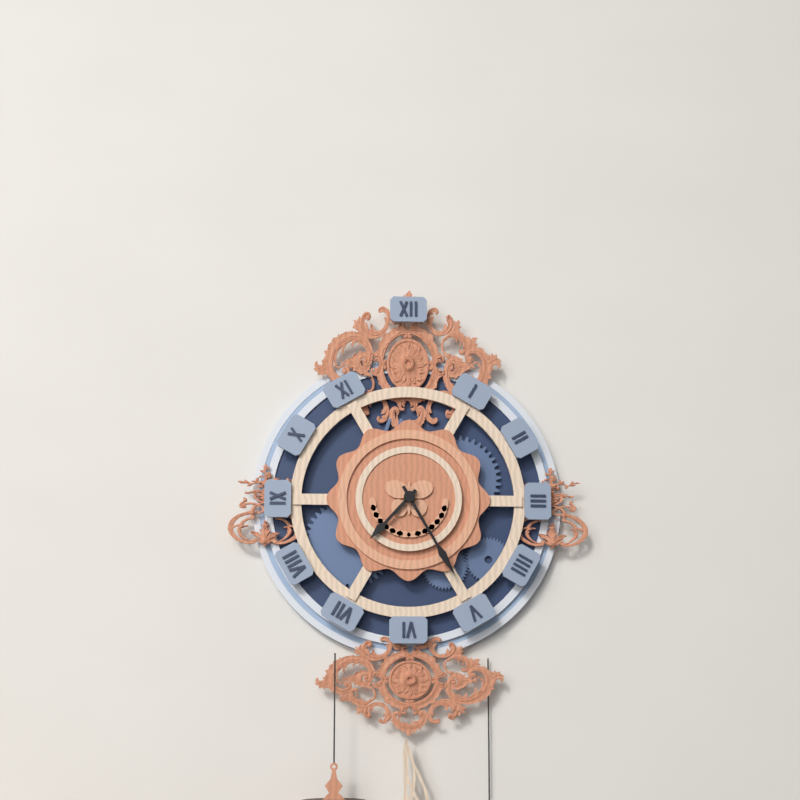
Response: 7:25
